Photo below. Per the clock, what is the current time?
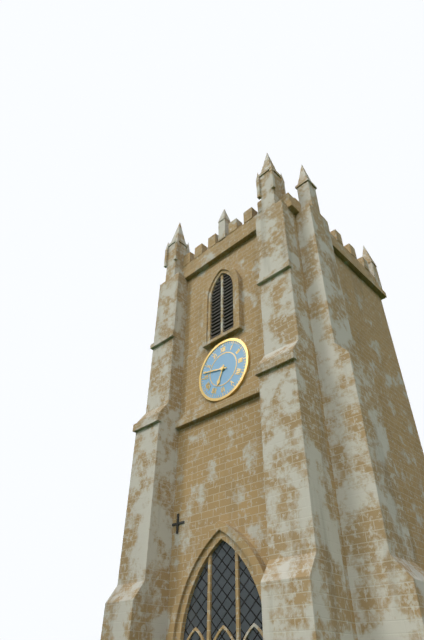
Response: 6:47
